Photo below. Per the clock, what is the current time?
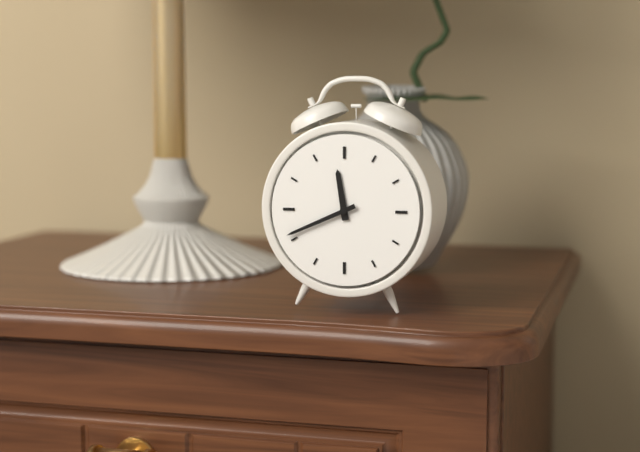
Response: 11:41
